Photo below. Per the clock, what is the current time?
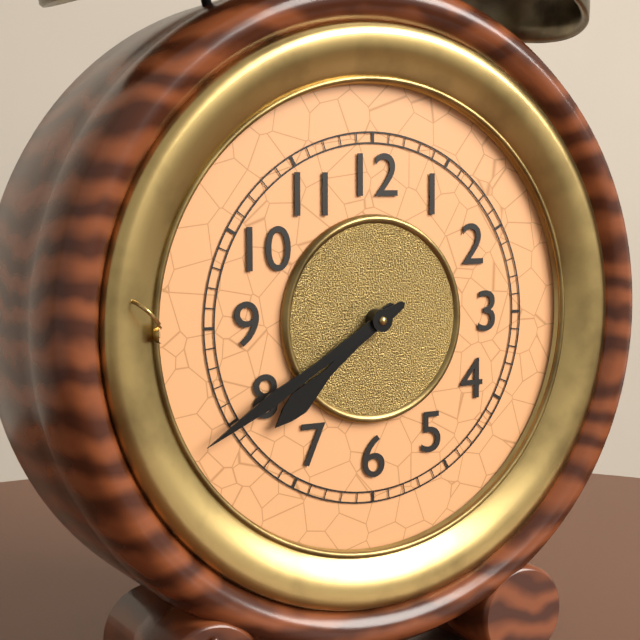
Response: 7:40
